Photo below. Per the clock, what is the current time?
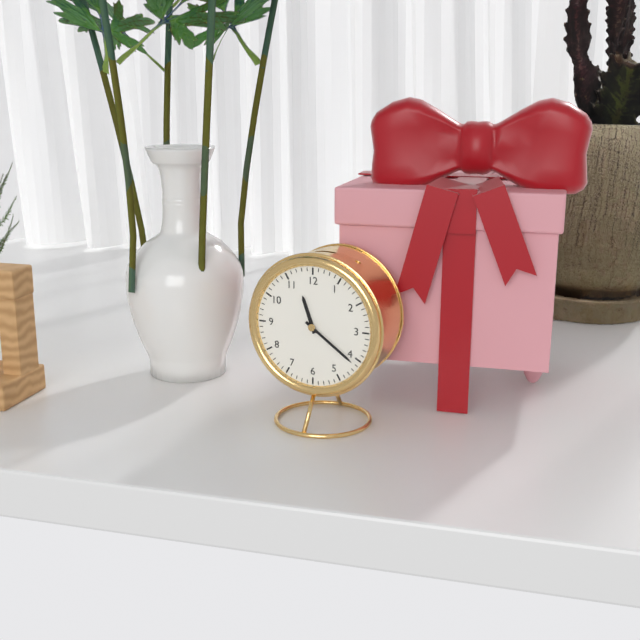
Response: 11:21
